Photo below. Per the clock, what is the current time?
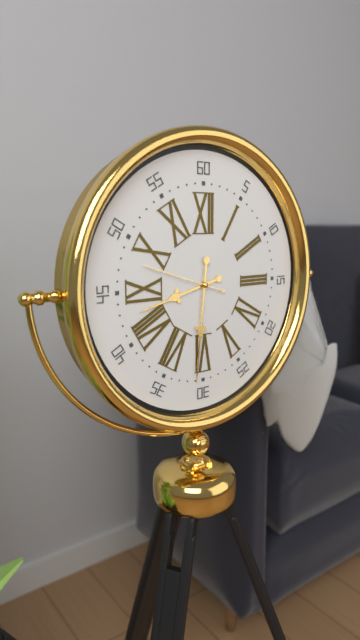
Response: 8:31:48
